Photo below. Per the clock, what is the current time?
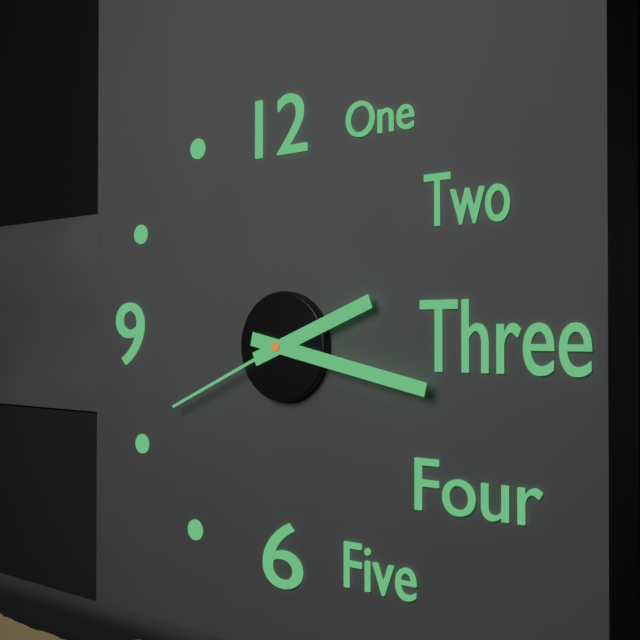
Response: 2:17:41
